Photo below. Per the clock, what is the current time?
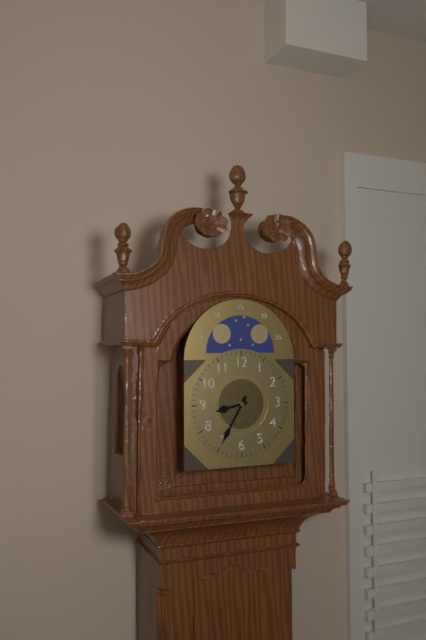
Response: 8:35
